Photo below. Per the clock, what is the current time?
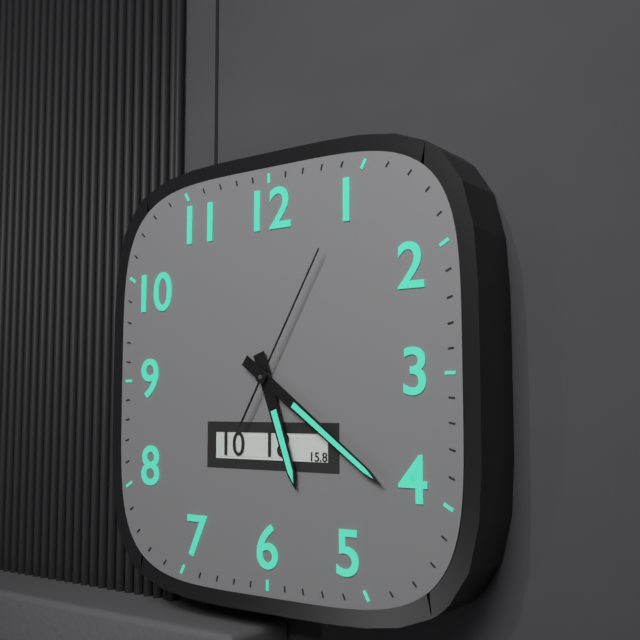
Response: 5:21:05
